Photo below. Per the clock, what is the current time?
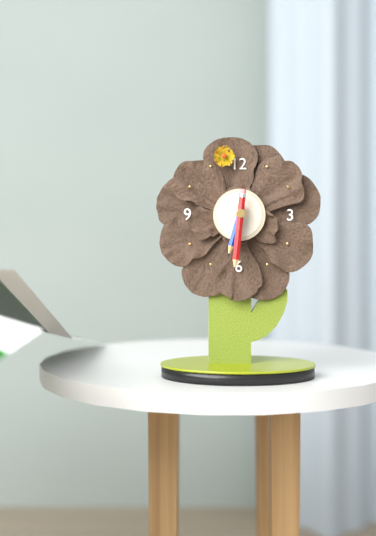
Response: 6:31
